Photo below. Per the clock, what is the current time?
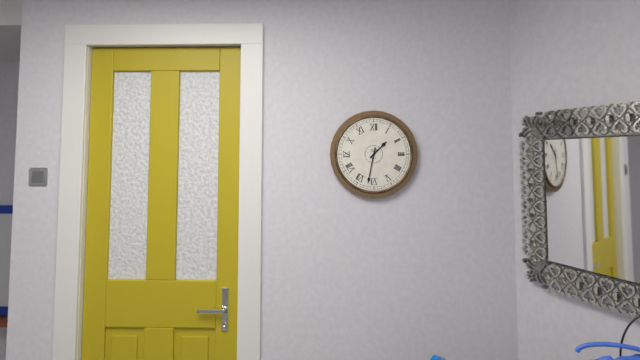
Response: 1:32
